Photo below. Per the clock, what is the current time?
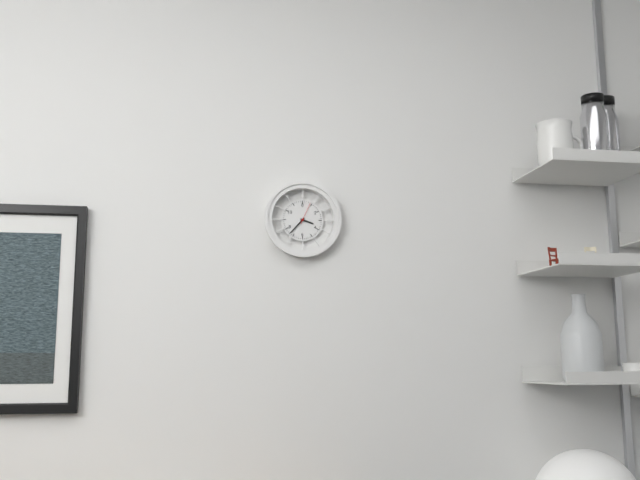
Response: 3:37
